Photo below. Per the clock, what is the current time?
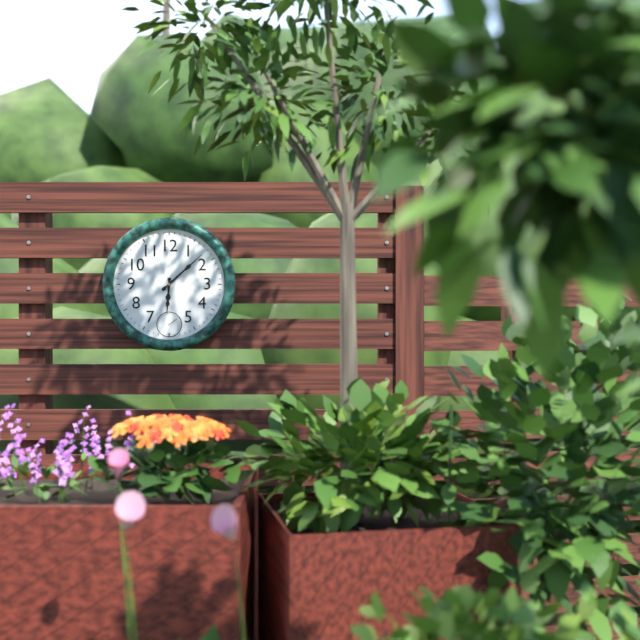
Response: 6:08
